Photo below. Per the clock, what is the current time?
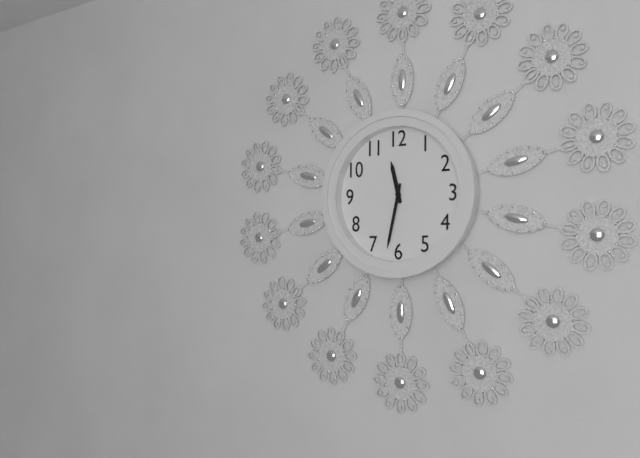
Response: 11:32
